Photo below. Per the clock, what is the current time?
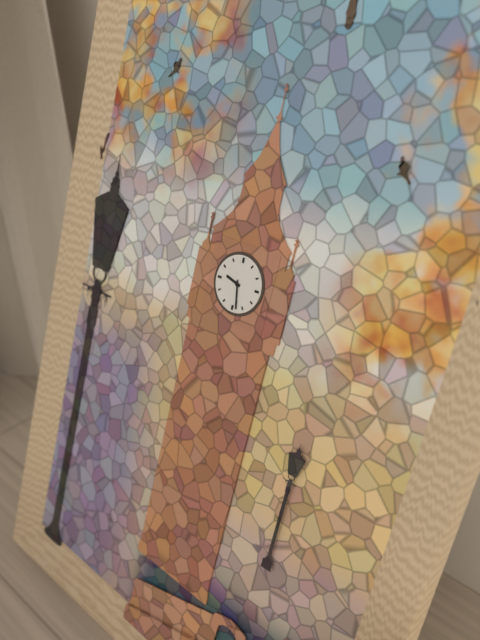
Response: 9:28
